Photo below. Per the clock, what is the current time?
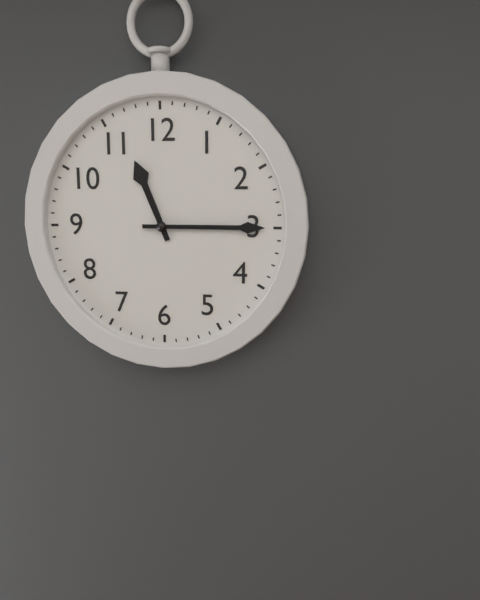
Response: 11:15
